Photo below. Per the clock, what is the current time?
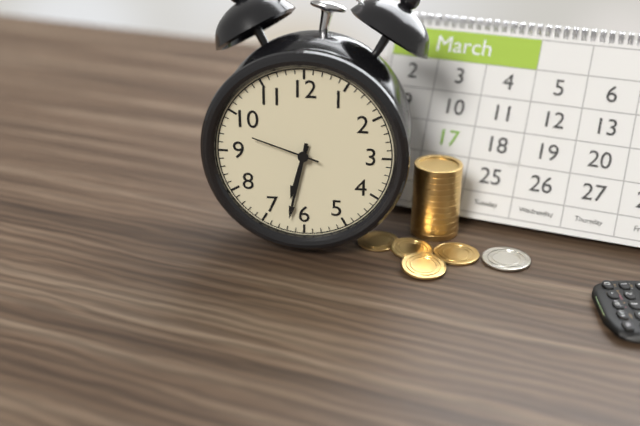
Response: 6:32:48
